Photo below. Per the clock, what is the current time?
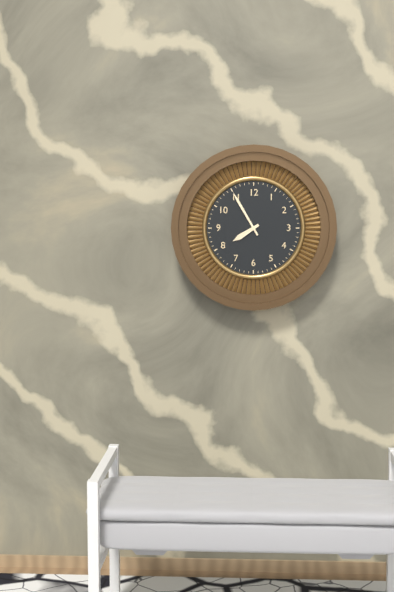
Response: 7:55
